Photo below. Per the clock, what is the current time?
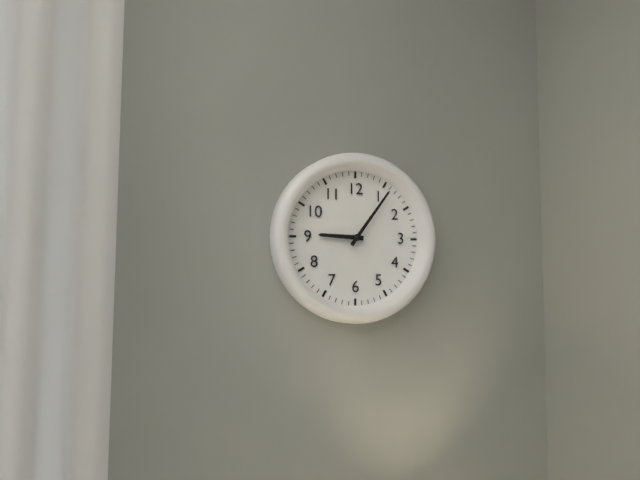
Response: 9:06
